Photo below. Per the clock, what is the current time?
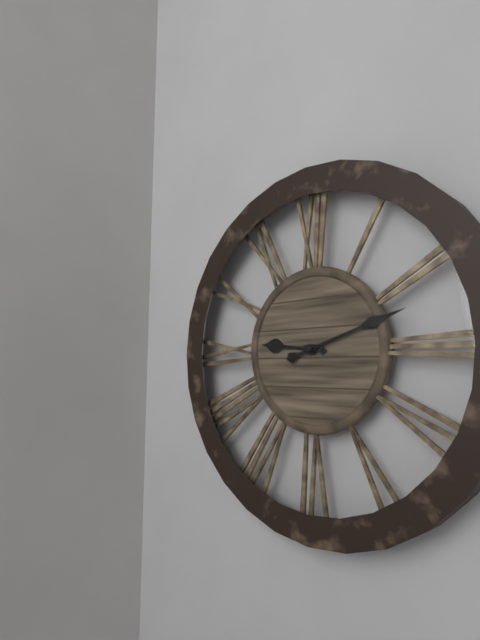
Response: 9:12
